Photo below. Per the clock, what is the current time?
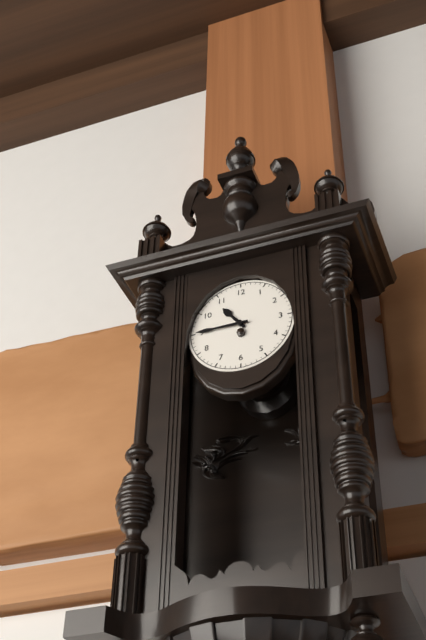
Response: 10:45
